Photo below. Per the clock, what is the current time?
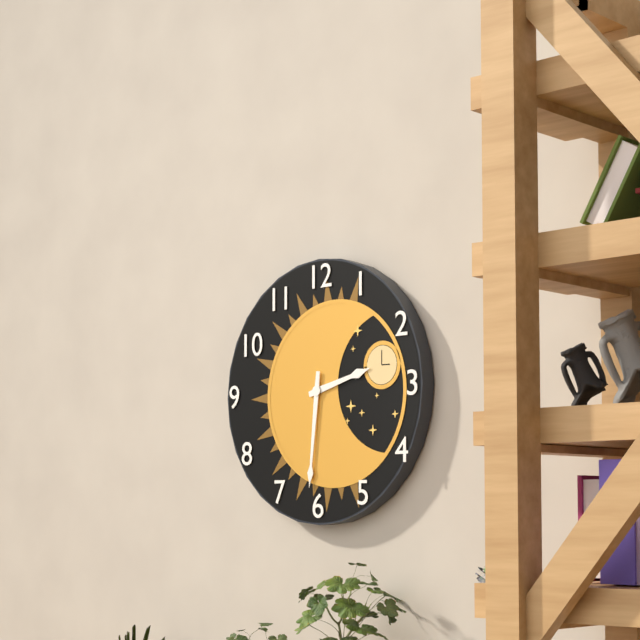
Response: 2:31
